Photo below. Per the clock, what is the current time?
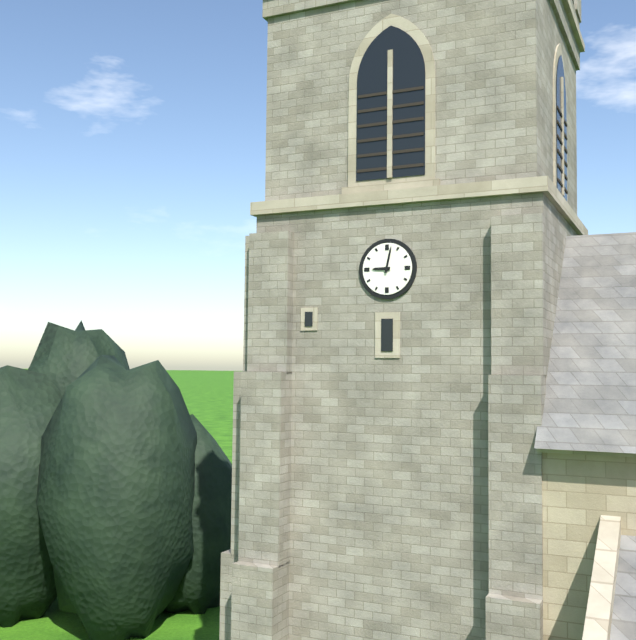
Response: 9:02
